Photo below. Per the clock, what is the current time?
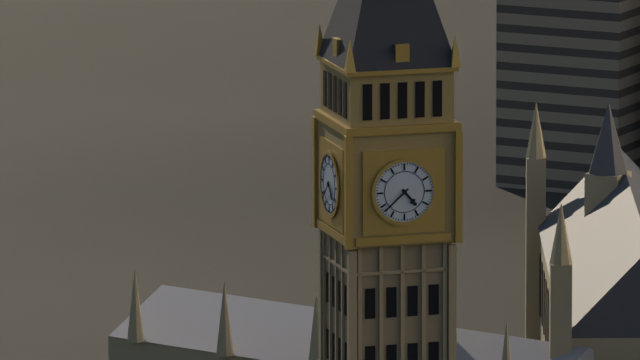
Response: 4:38
